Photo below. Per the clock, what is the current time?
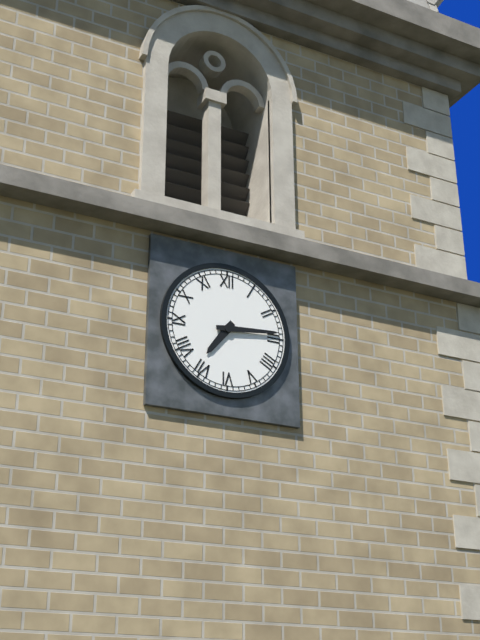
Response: 7:14
